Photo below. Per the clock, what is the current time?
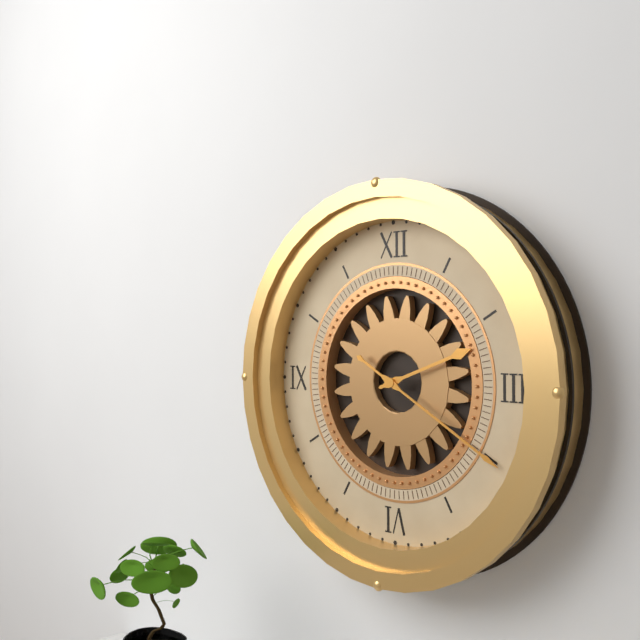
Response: 2:20
